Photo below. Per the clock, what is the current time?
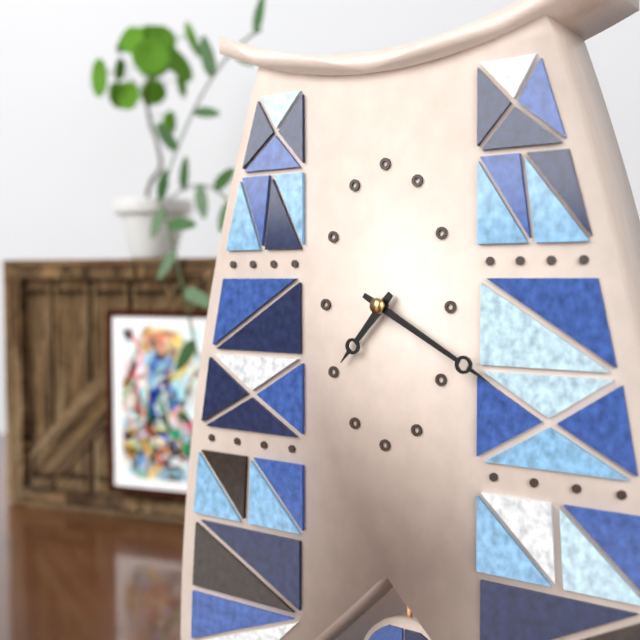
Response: 7:20
